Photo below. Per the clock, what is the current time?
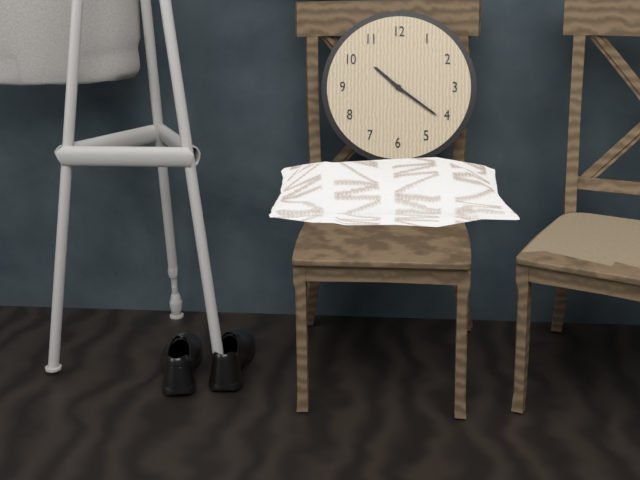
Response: 10:21
